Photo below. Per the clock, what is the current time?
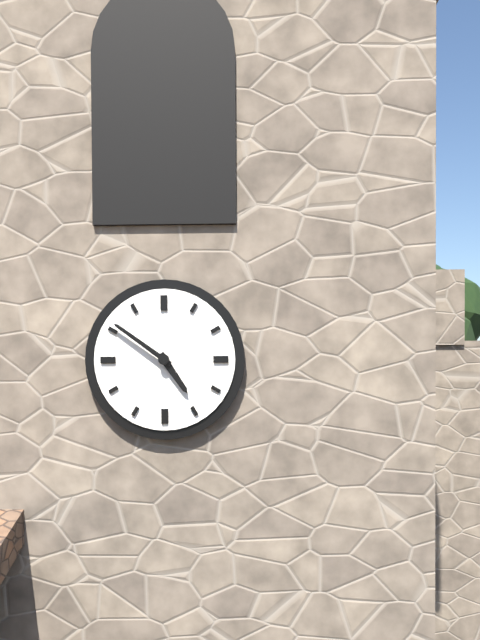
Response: 4:51
